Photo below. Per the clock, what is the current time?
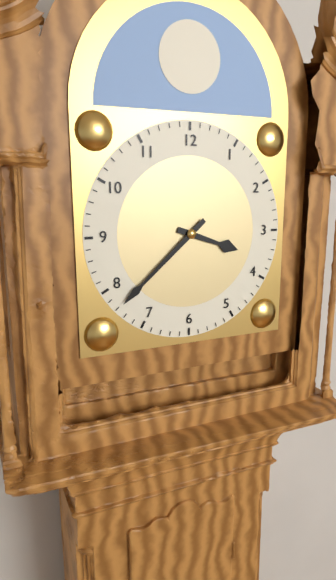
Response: 3:38
